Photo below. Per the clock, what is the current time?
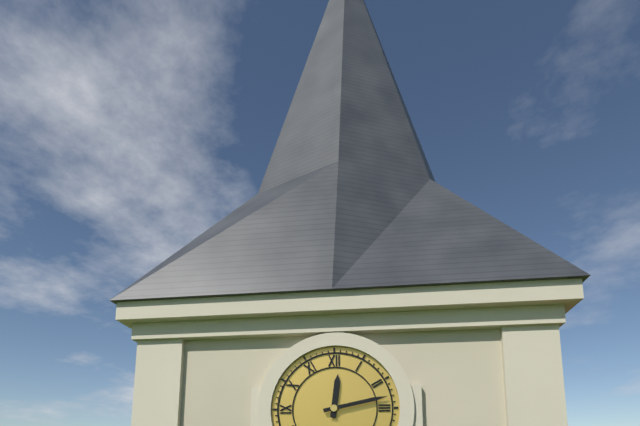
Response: 12:13
